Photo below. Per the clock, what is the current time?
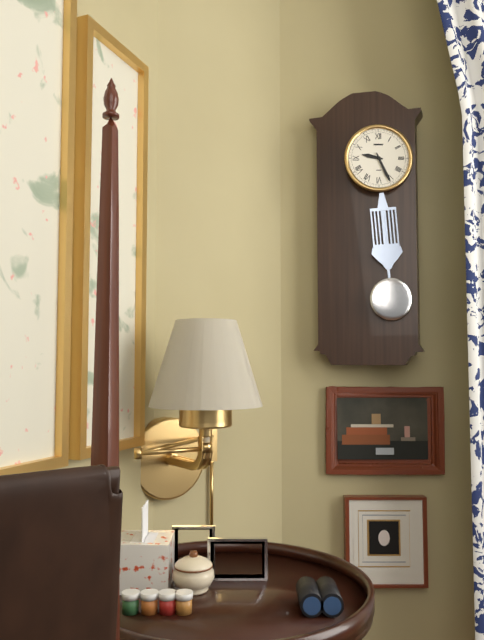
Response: 9:26
